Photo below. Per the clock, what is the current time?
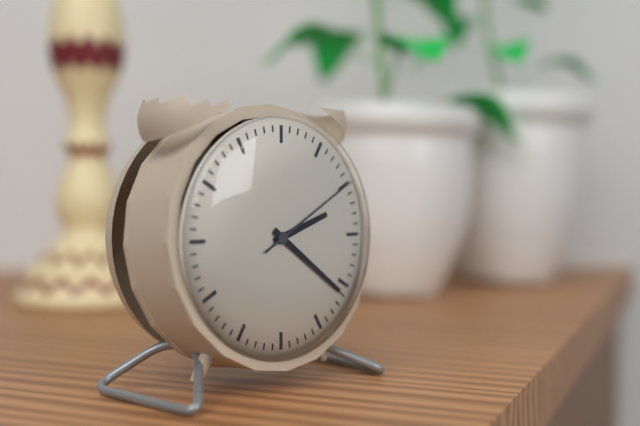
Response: 2:21:10
